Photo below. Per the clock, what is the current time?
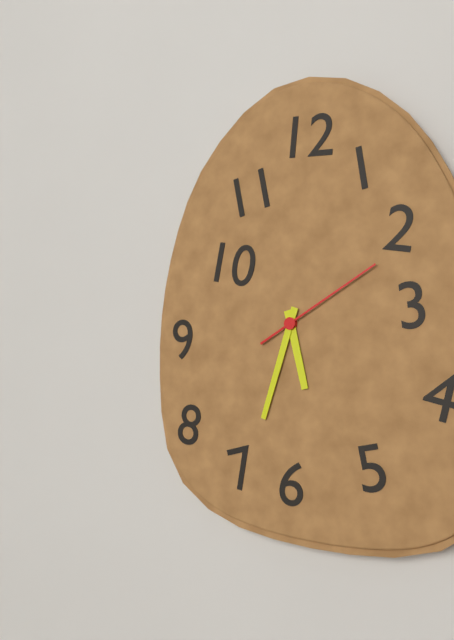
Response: 5:33:10
